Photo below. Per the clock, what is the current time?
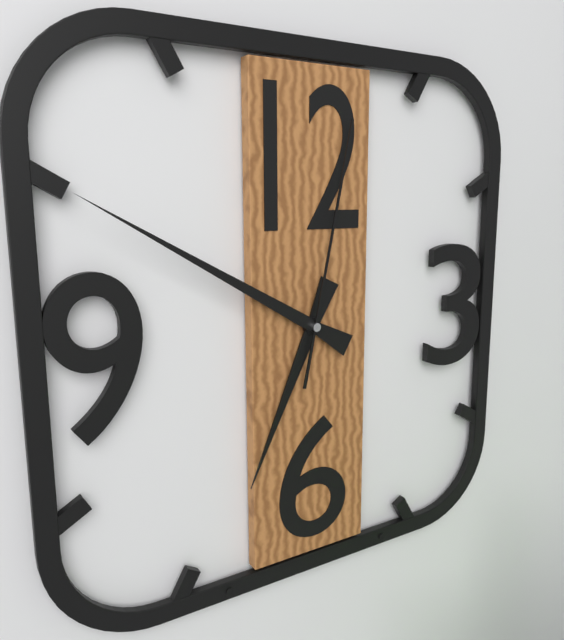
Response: 6:50:02
